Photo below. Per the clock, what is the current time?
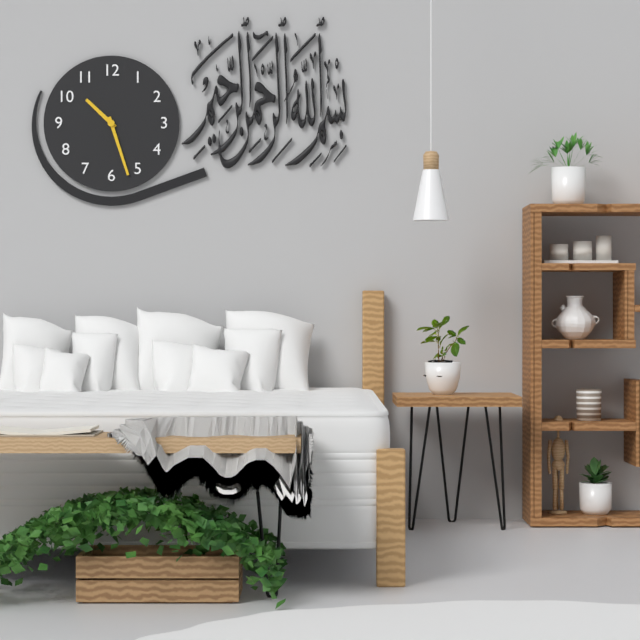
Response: 10:27
